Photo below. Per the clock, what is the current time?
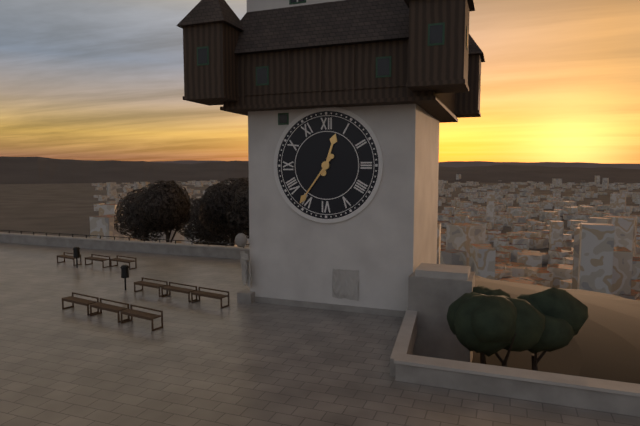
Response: 12:36
